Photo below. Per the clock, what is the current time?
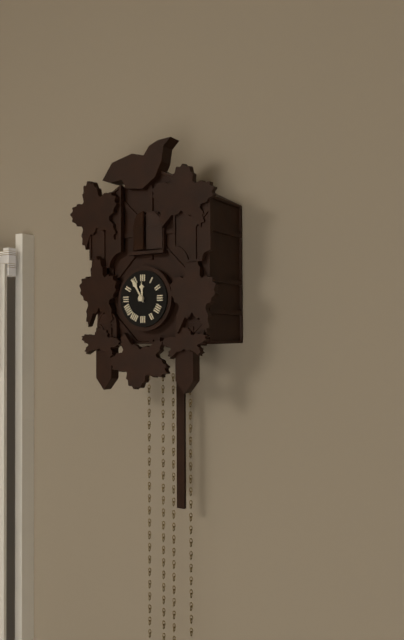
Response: 11:55
